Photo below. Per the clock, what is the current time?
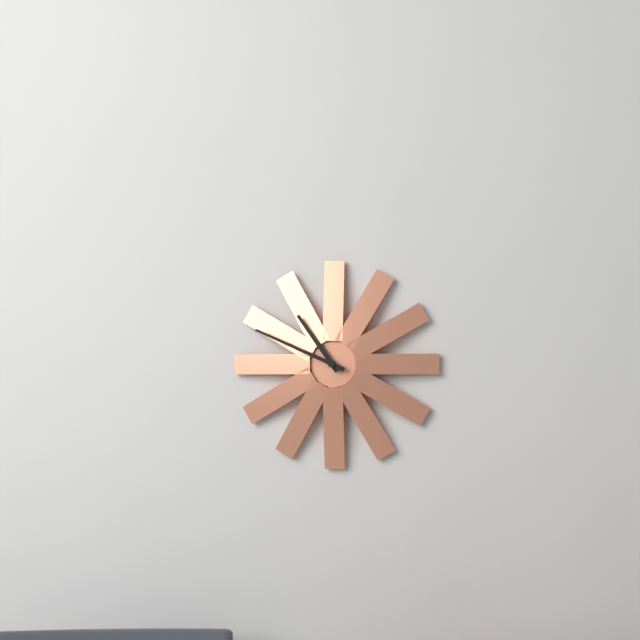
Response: 10:49
